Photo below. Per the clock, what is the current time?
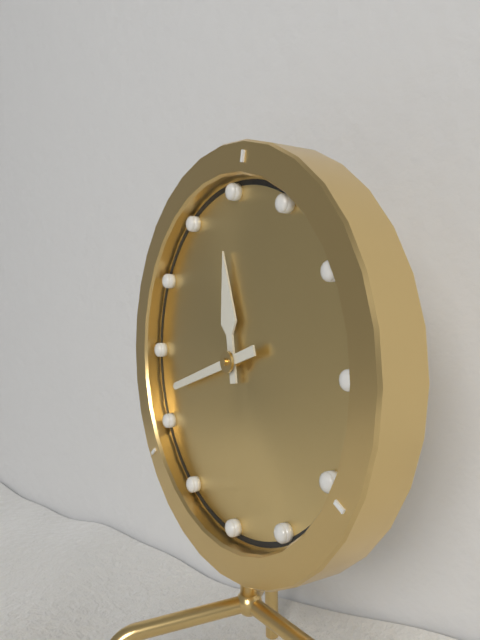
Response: 11:42
